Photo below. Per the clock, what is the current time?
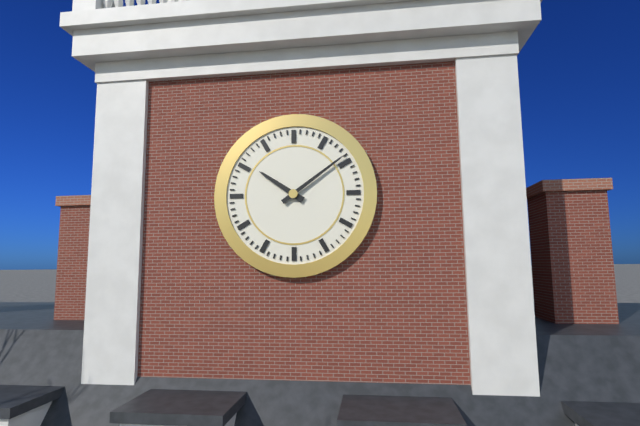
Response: 10:09
